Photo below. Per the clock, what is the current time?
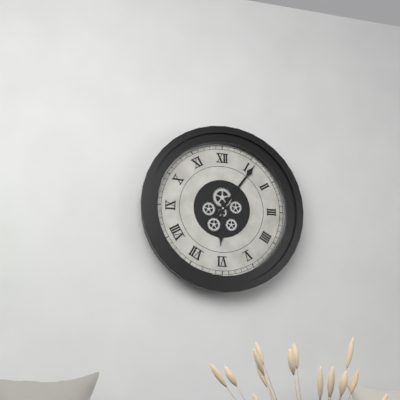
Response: 6:06
